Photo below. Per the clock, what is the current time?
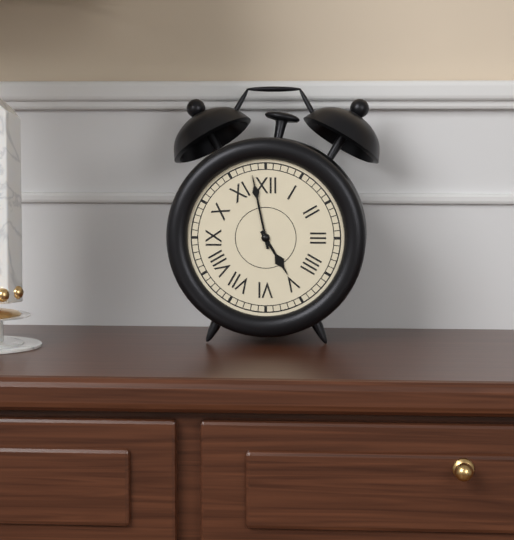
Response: 4:58
